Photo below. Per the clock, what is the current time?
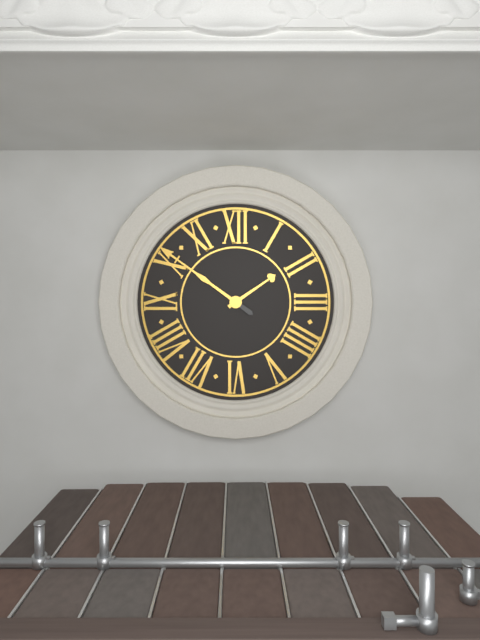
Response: 1:51
